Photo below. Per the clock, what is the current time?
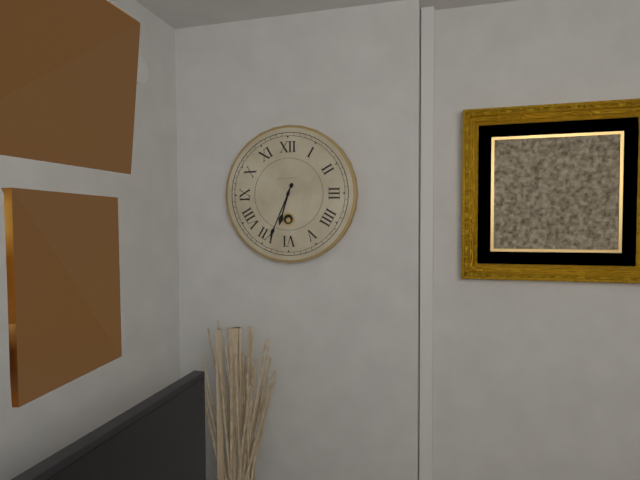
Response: 6:34
